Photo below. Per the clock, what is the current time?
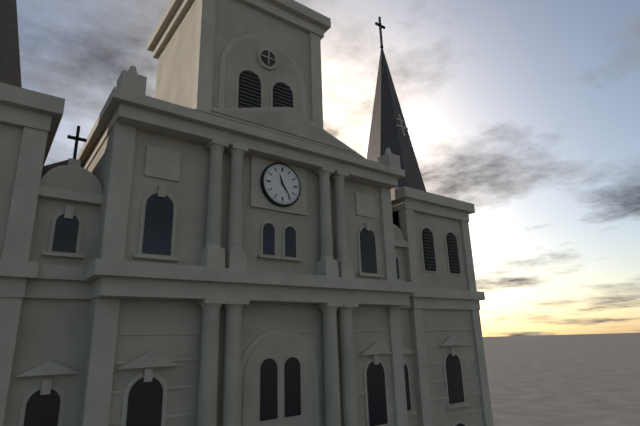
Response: 11:24
